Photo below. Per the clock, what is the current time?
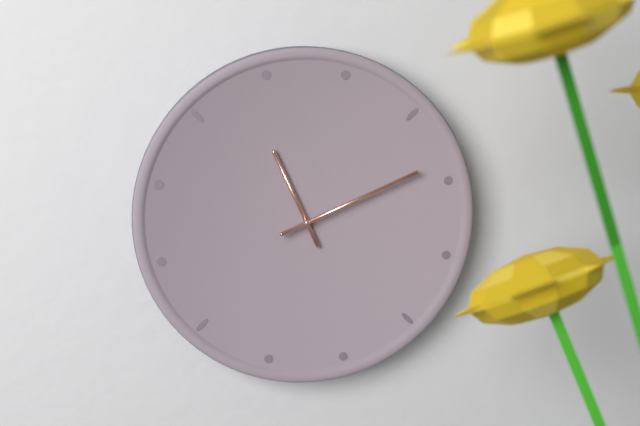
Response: 11:11
